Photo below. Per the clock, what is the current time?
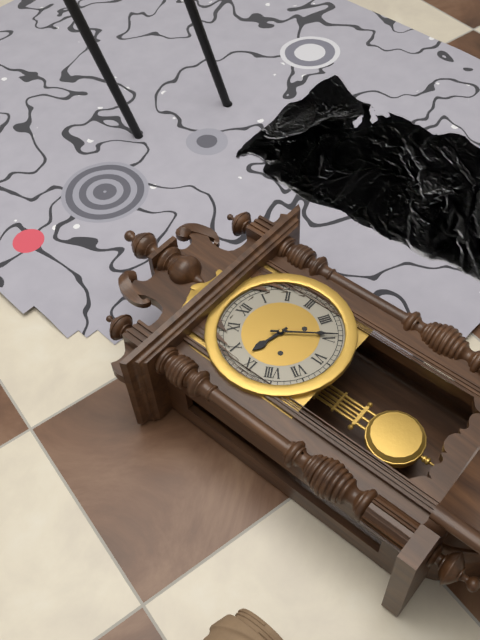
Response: 9:24
